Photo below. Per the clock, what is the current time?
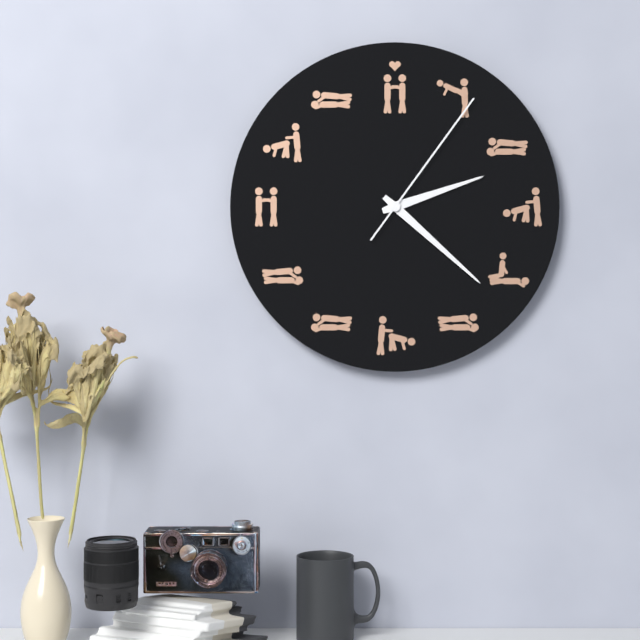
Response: 2:22:06
